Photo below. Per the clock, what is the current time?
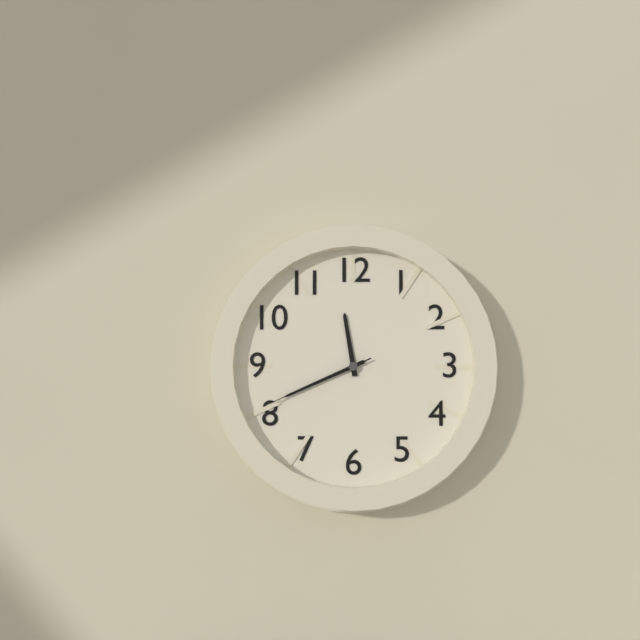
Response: 11:41:41
